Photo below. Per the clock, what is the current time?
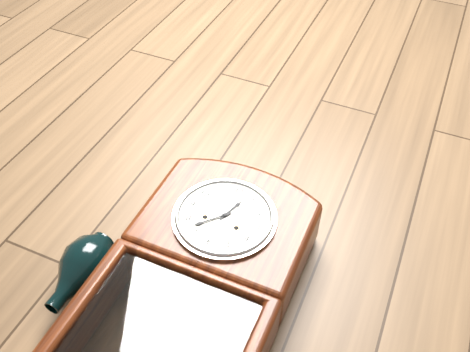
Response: 12:37
